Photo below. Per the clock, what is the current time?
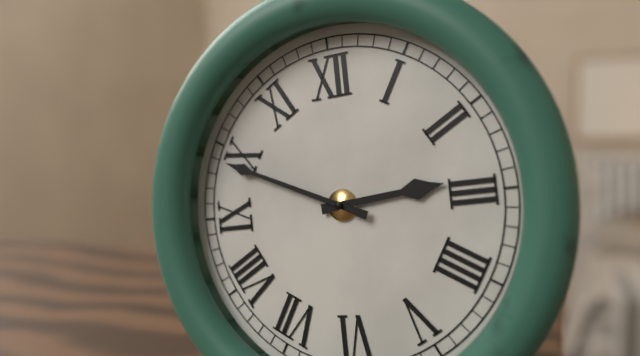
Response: 2:49
